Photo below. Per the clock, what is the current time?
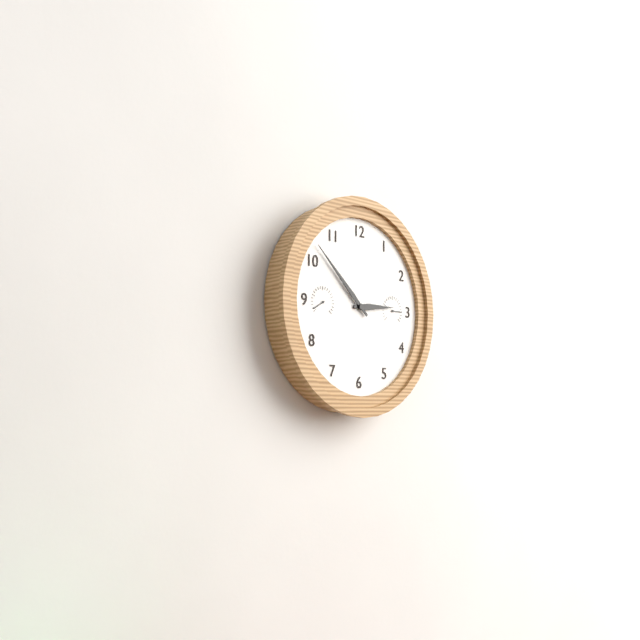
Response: 2:52
